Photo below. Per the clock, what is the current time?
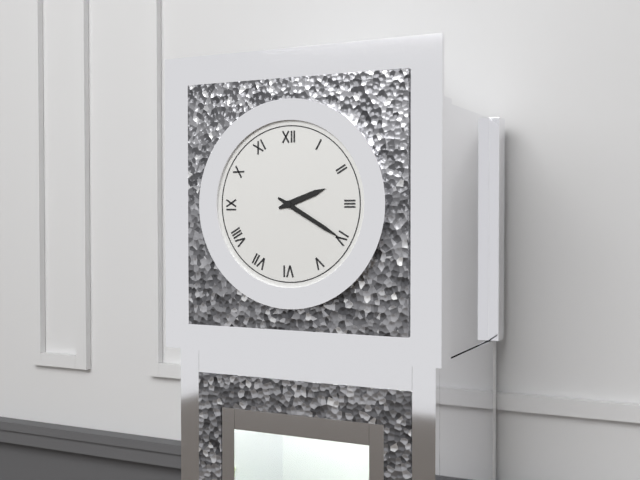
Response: 2:20
